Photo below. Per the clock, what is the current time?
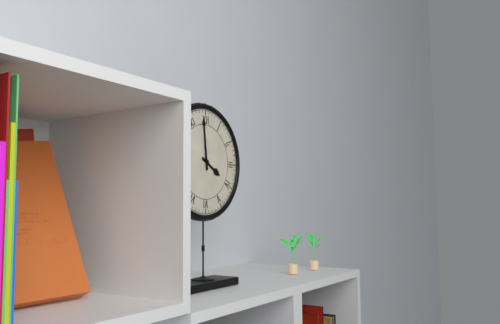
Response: 3:59
